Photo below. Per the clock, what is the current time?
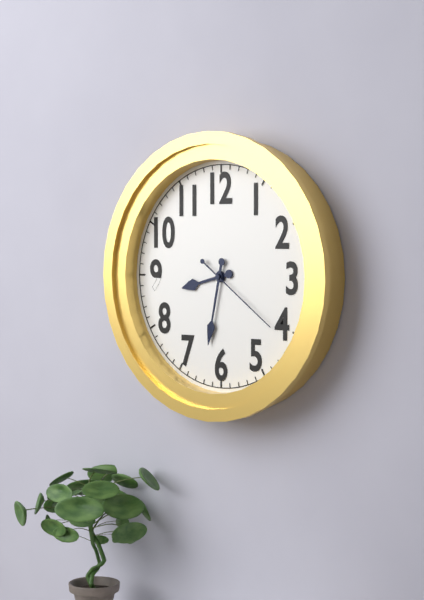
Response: 8:32:21
